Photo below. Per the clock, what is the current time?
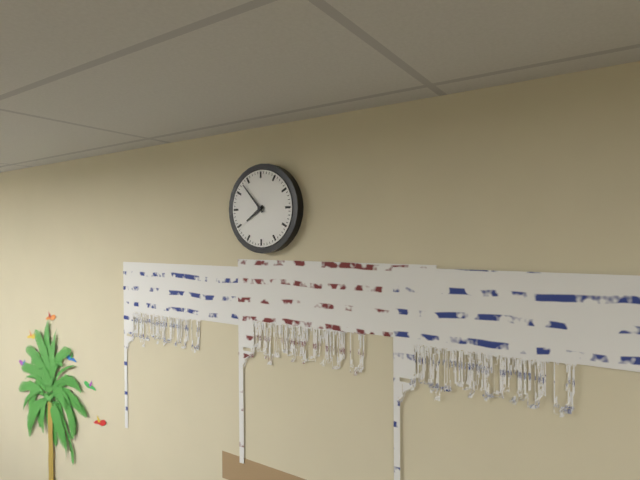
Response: 7:53
